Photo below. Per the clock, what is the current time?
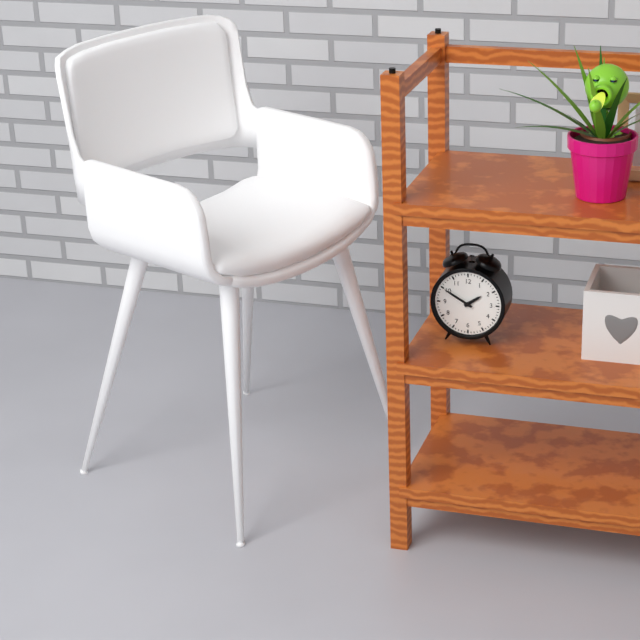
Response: 1:50
